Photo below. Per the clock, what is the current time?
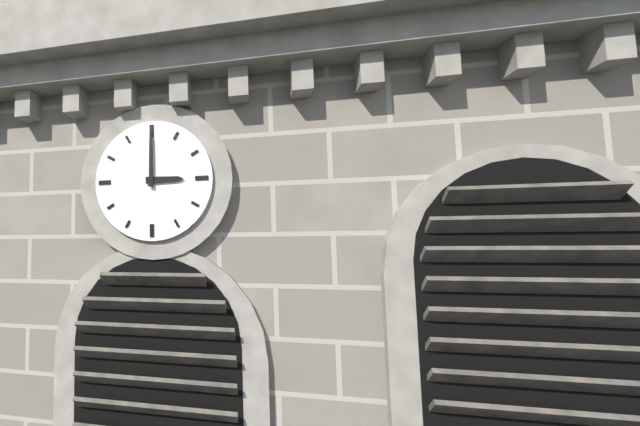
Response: 3:00
